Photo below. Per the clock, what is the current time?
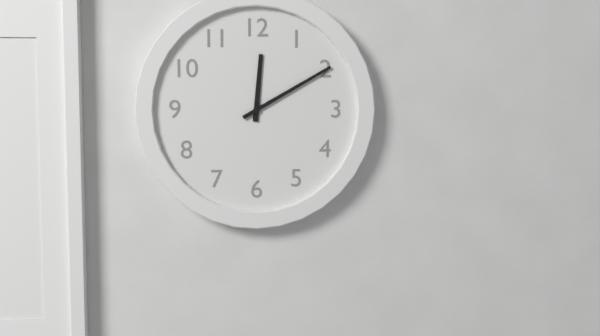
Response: 12:10
